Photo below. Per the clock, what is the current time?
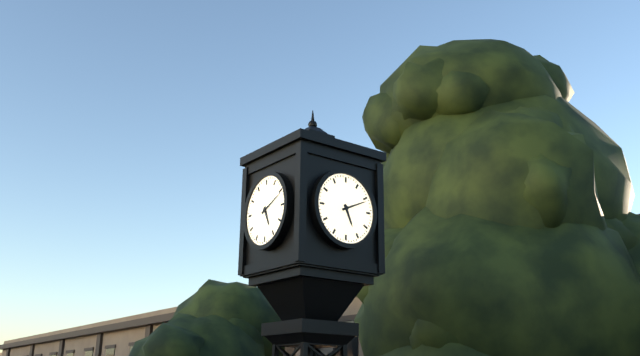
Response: 5:11
